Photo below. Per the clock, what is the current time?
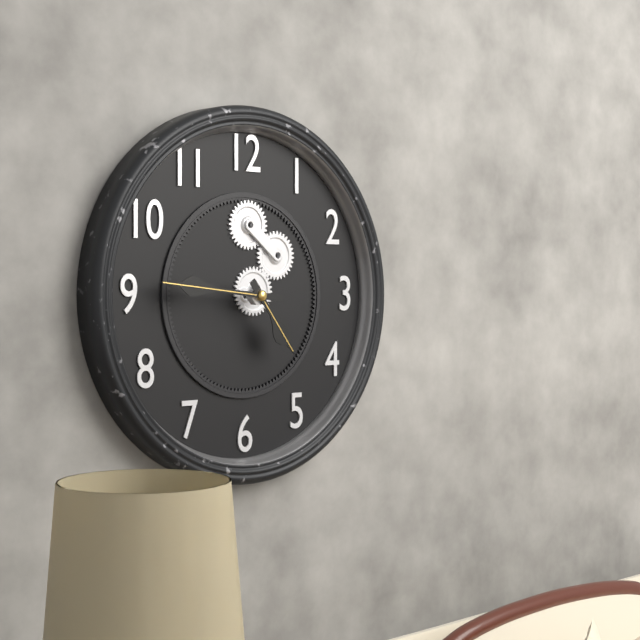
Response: 4:46
